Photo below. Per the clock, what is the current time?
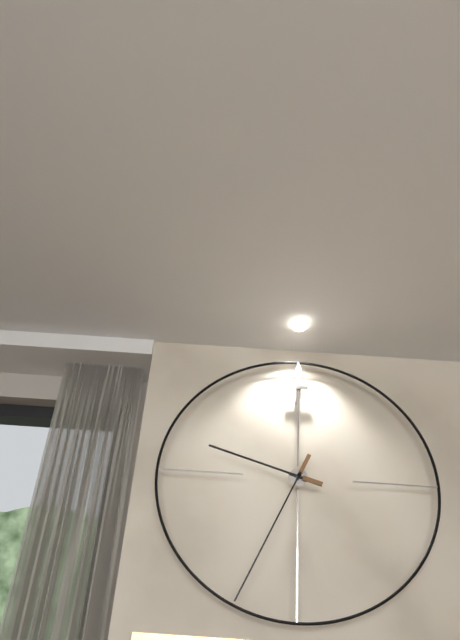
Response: 9:34
